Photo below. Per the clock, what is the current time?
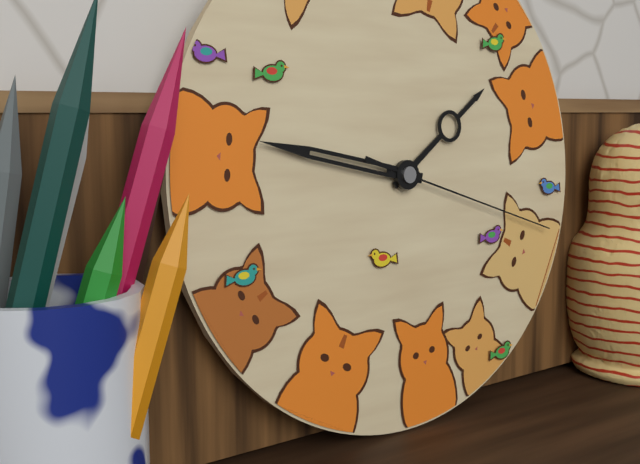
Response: 1:47:18
